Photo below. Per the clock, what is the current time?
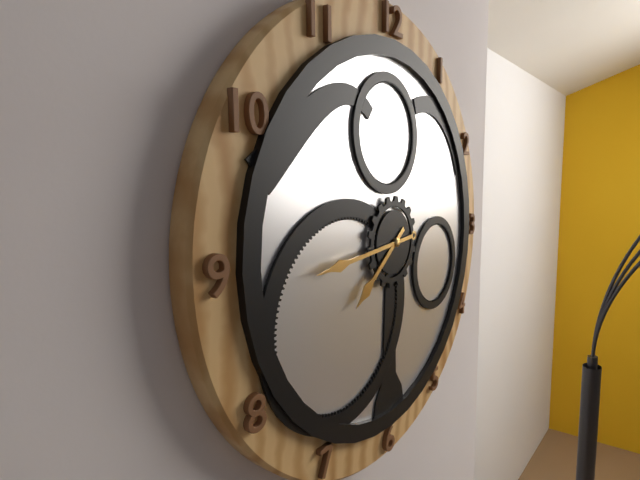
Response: 7:44
